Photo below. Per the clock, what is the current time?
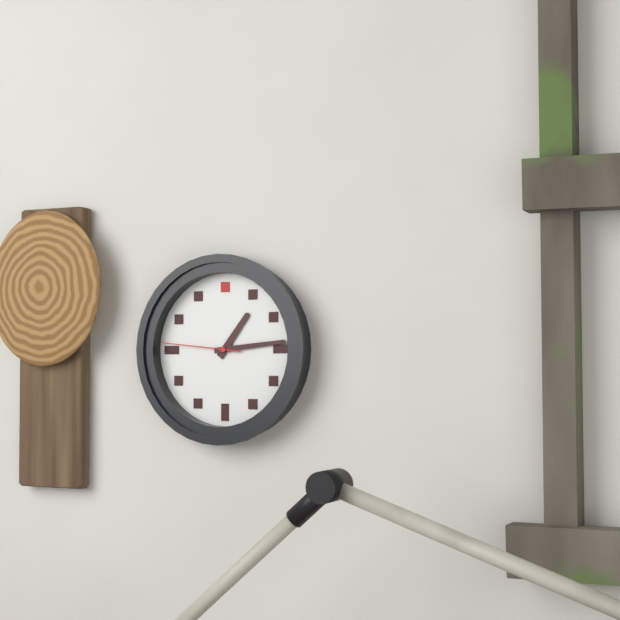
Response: 1:14:46
